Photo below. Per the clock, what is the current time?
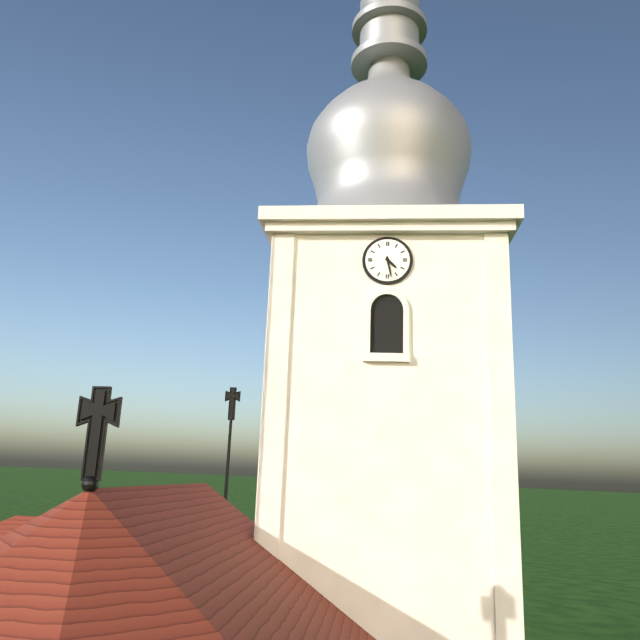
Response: 4:28
